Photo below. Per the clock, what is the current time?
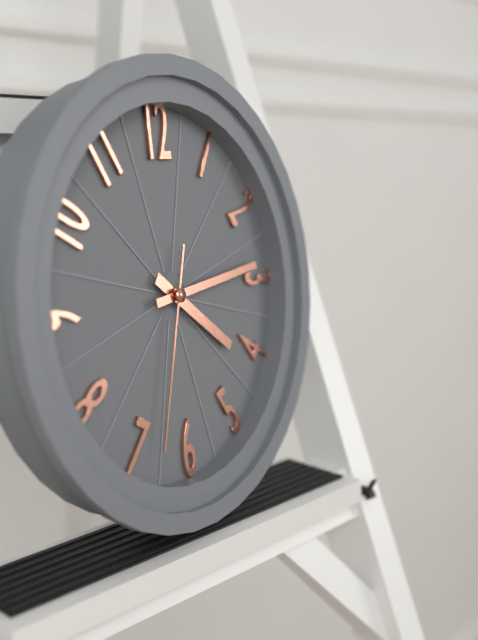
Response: 4:14:33
